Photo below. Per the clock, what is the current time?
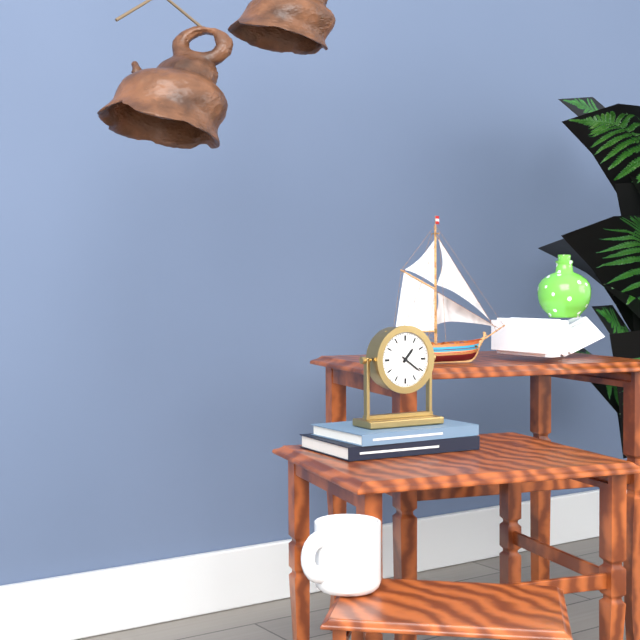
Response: 1:21
